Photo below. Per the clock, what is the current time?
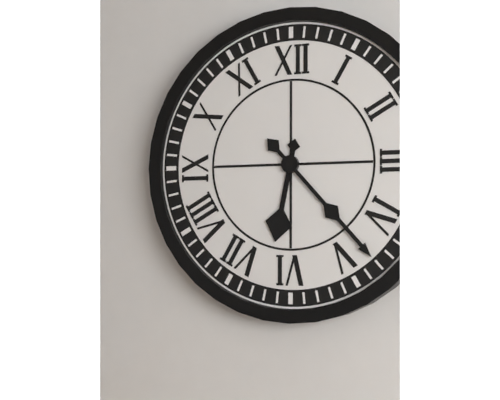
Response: 6:23
